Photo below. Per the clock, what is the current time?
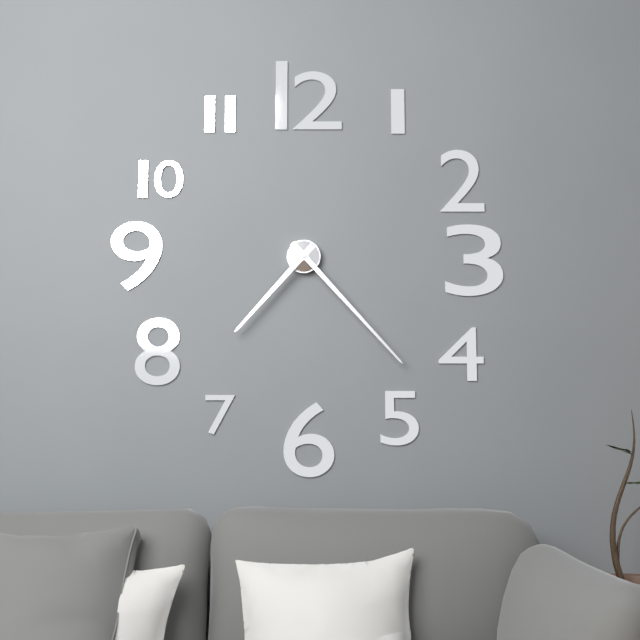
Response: 7:23
